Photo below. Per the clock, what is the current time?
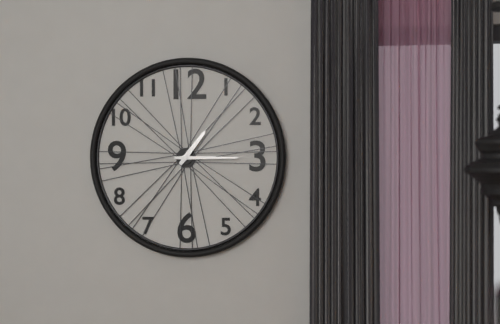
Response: 1:15
